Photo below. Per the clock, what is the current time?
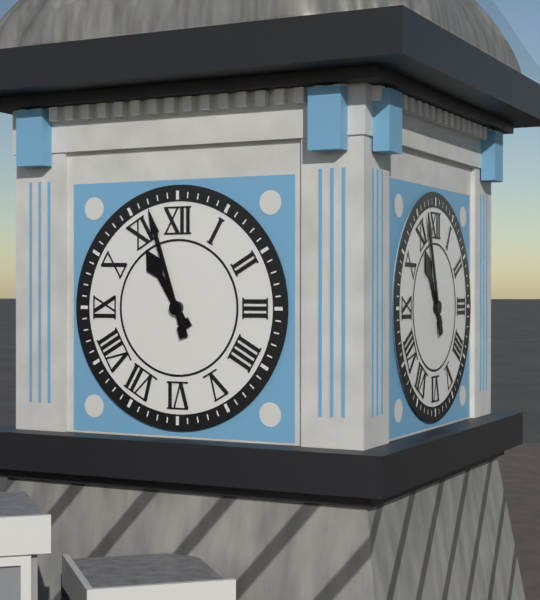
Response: 10:57
